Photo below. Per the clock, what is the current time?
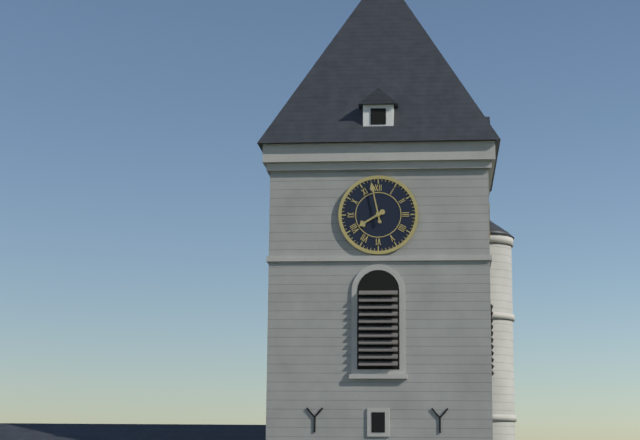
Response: 7:58
